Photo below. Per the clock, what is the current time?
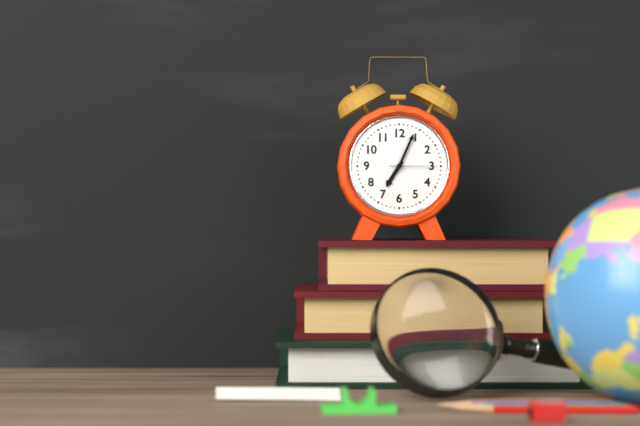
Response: 7:04
